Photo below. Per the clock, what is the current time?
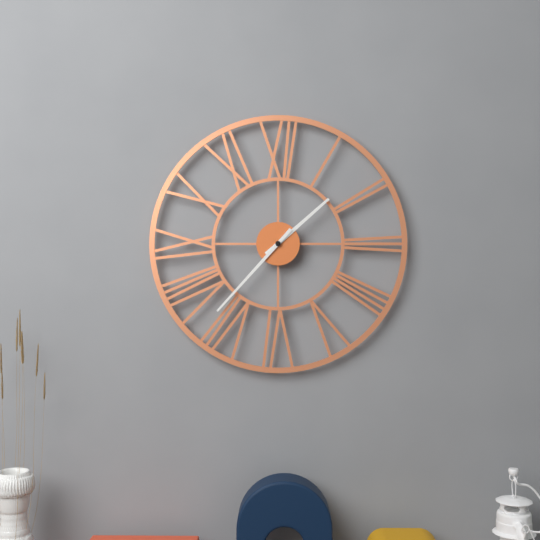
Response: 1:37
